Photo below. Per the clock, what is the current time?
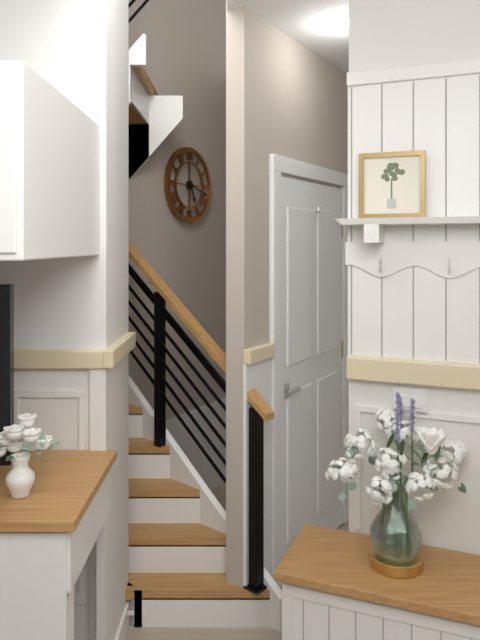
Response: 5:18
